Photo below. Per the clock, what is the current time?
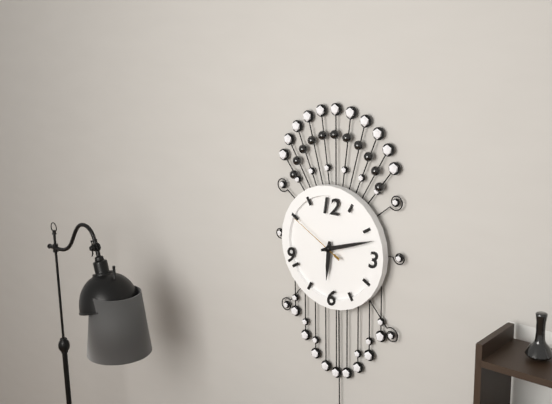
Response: 6:12:50
